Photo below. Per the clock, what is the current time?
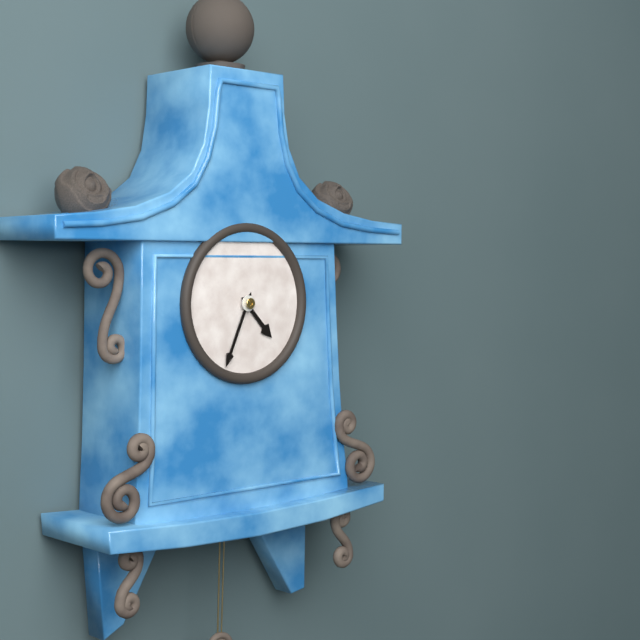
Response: 4:34
